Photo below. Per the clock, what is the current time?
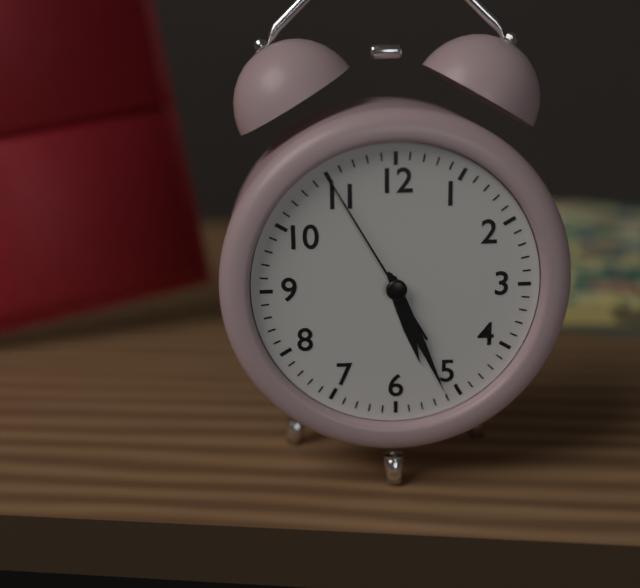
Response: 5:26:55
